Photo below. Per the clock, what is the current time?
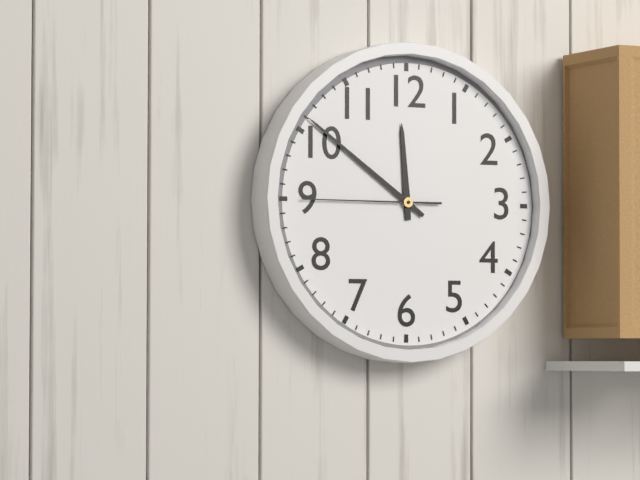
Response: 11:51:45
